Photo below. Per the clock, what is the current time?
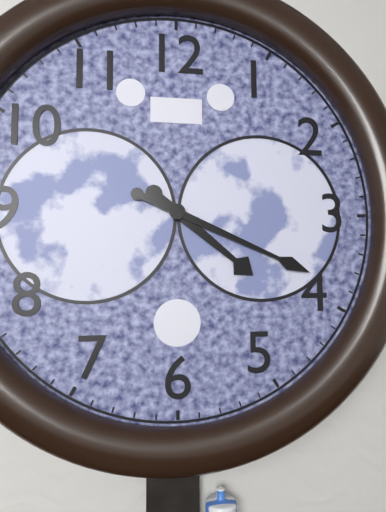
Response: 4:19
